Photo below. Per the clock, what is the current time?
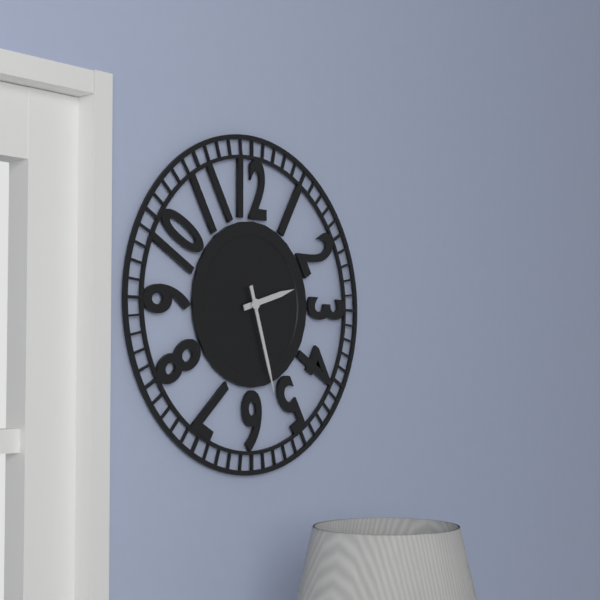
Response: 2:27
